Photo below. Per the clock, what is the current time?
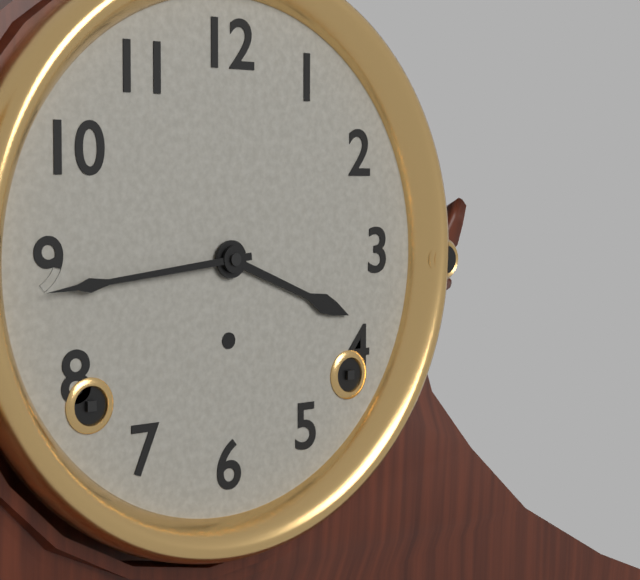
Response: 3:44
